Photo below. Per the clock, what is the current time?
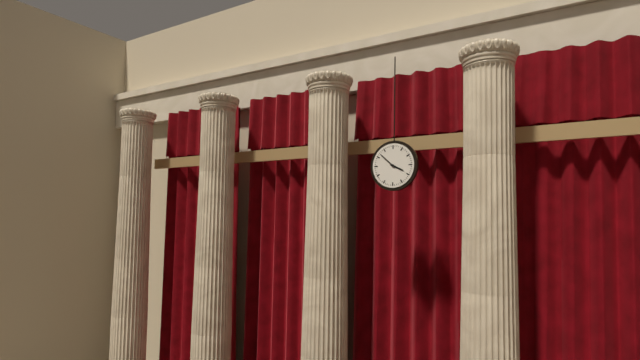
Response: 3:52
